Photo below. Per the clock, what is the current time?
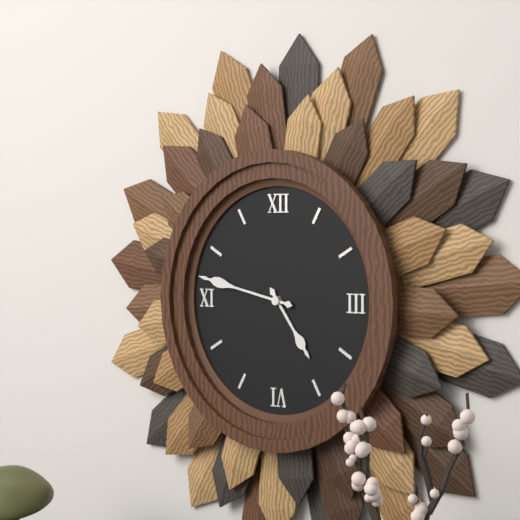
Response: 4:47
